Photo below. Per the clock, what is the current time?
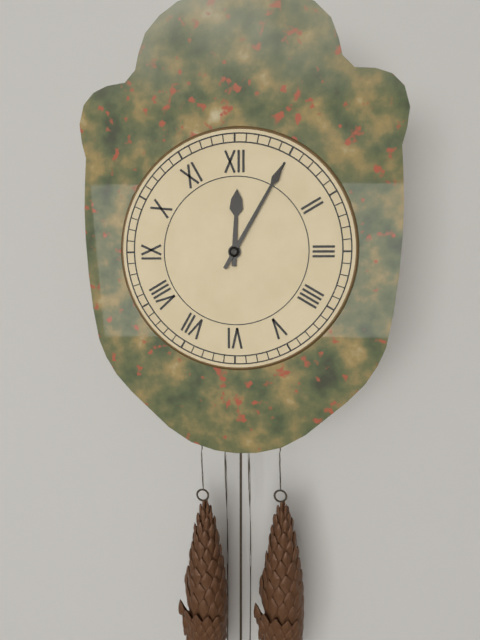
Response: 12:05
